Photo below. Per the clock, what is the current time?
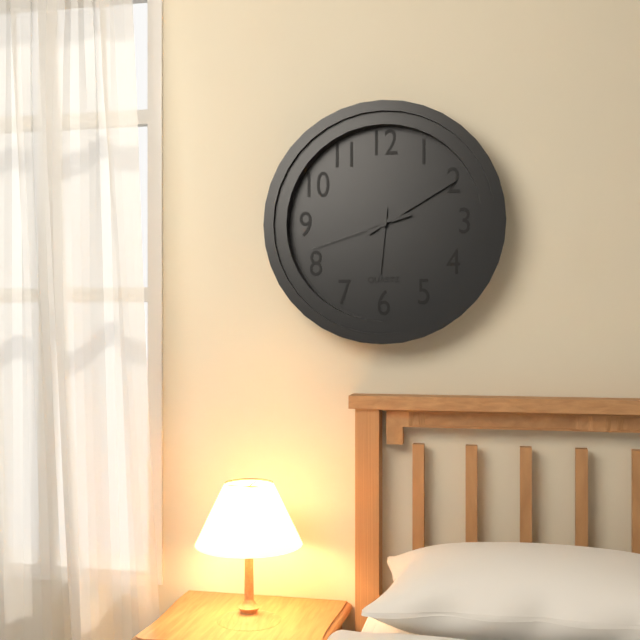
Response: 6:10:42
